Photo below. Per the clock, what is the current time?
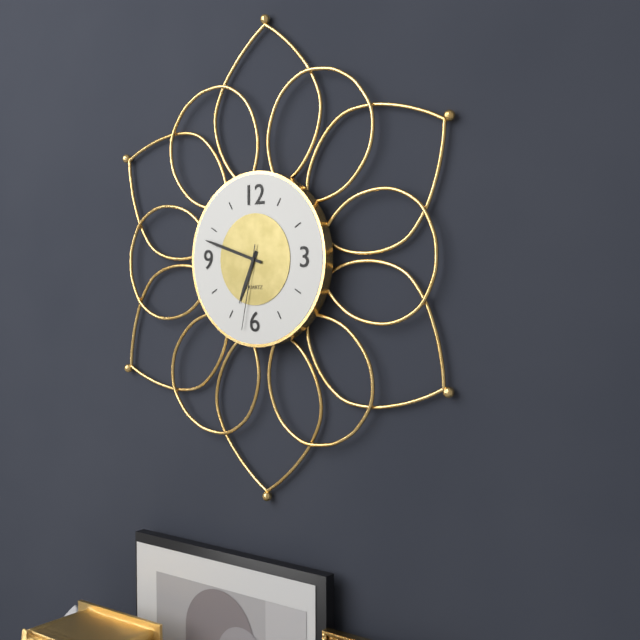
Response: 6:48:32
